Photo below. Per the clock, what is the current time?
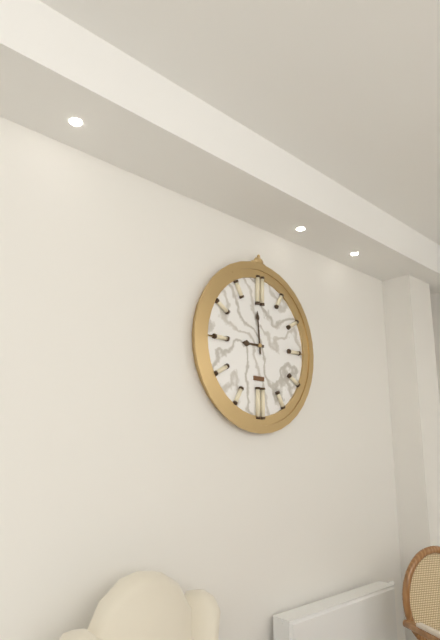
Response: 8:59
